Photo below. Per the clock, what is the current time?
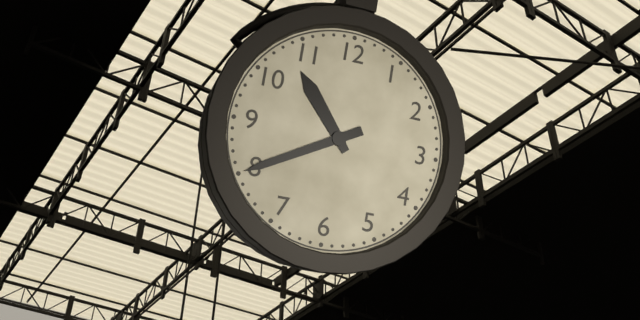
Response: 10:40
